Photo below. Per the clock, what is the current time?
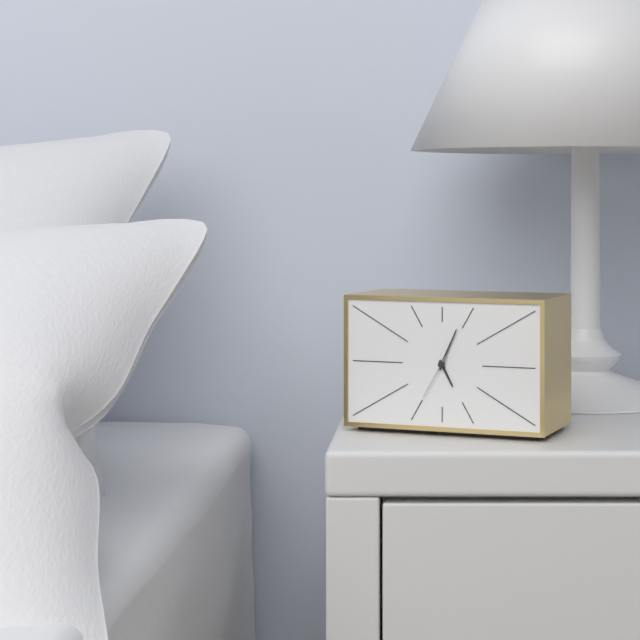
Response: 5:04
